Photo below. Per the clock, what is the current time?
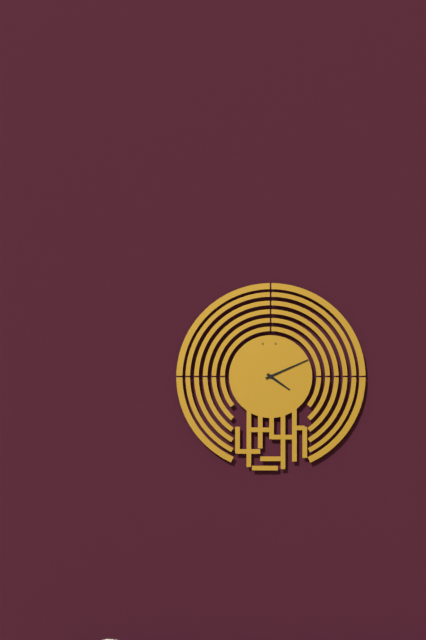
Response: 4:11
